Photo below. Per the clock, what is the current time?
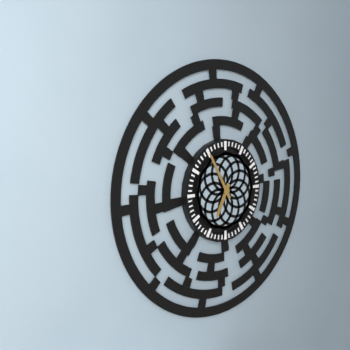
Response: 6:55
